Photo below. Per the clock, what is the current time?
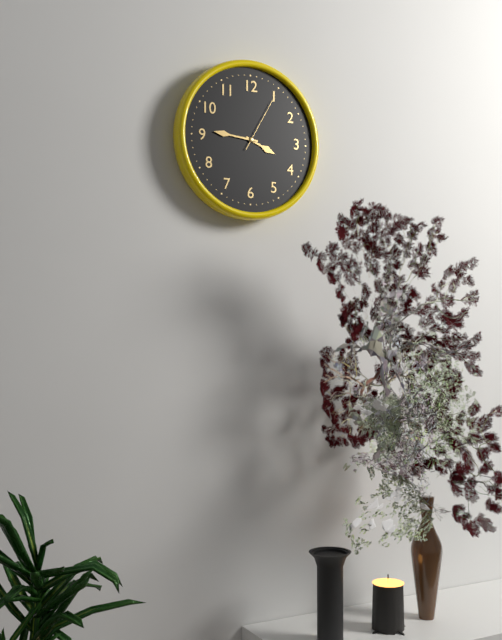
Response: 3:46:05
